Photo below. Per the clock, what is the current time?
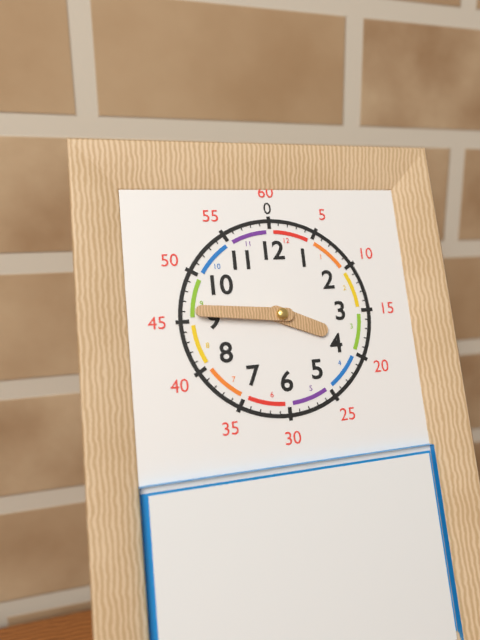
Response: 3:46
